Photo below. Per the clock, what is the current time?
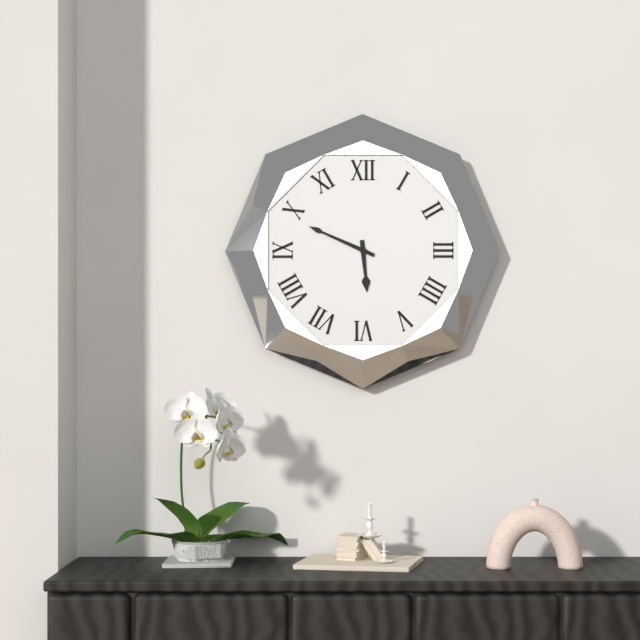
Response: 5:49
